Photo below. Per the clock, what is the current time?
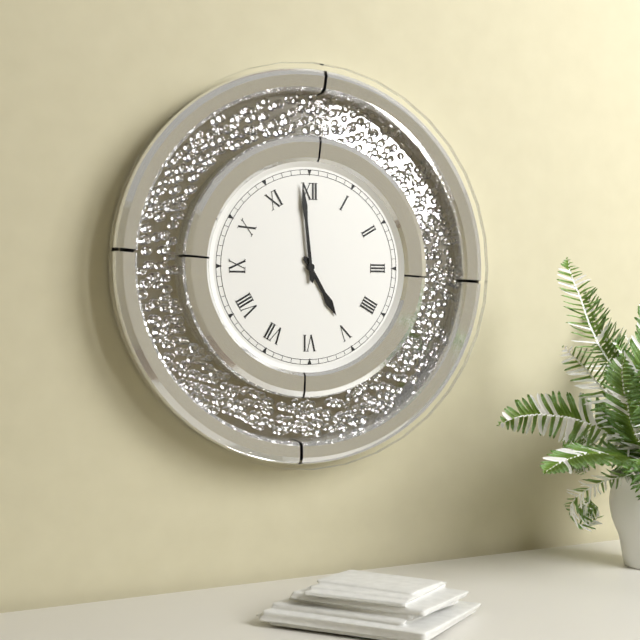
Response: 4:59
